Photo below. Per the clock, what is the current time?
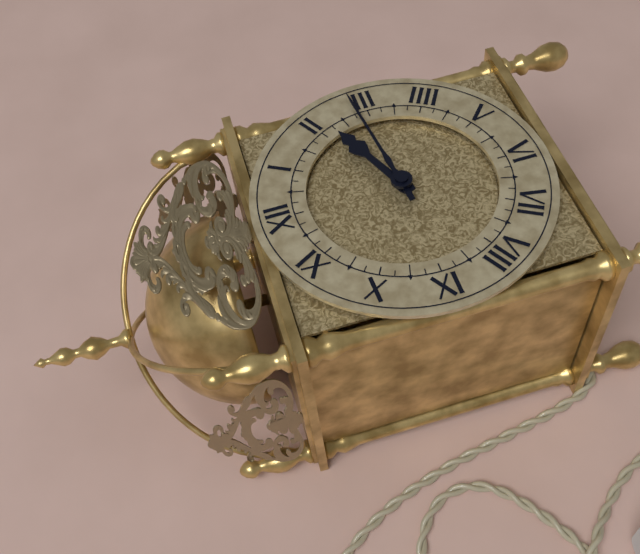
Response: 2:14
